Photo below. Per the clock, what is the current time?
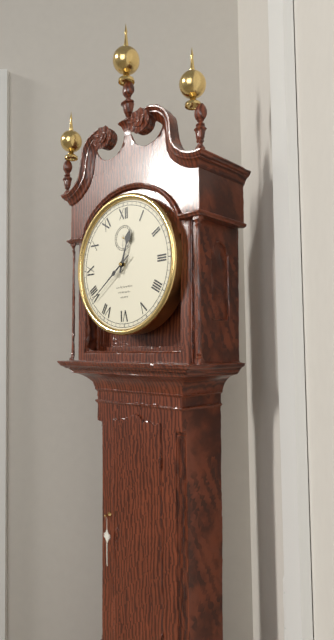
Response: 12:39
